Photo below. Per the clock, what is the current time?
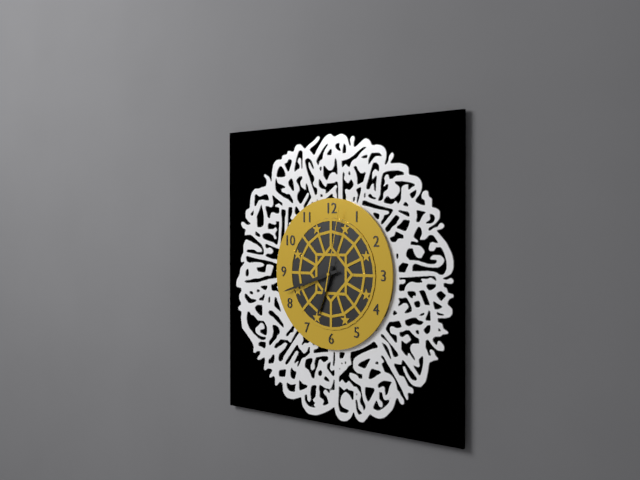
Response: 6:42:02
